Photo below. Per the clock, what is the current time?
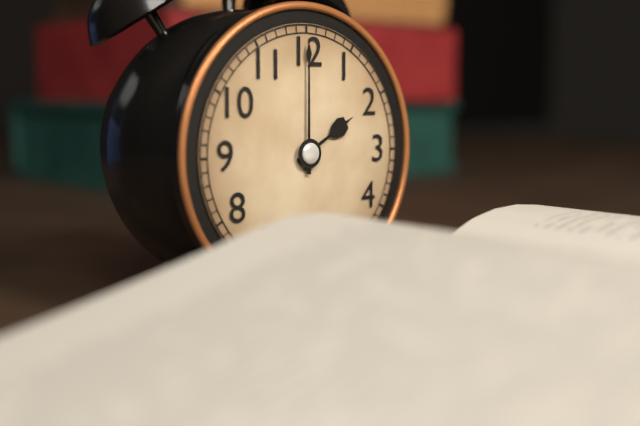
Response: 2:00
